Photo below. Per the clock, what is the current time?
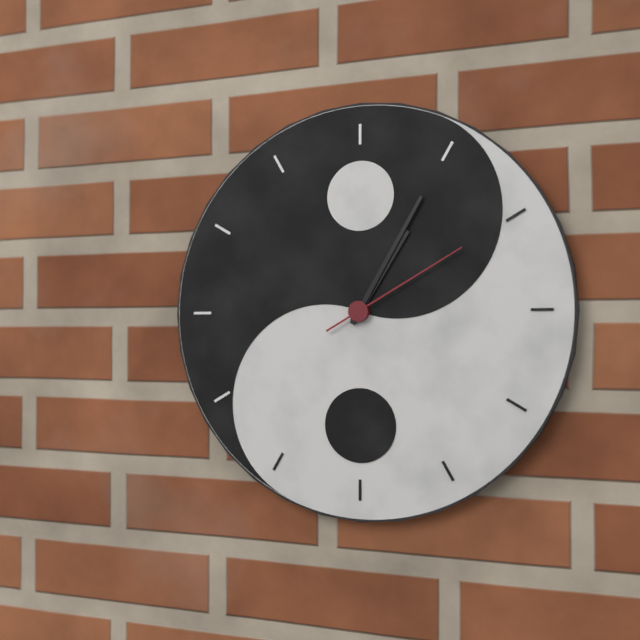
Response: 1:05:10
